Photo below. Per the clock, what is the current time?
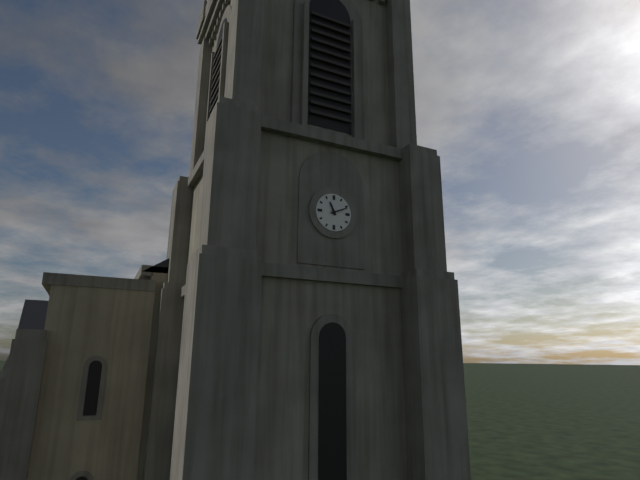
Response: 11:11
